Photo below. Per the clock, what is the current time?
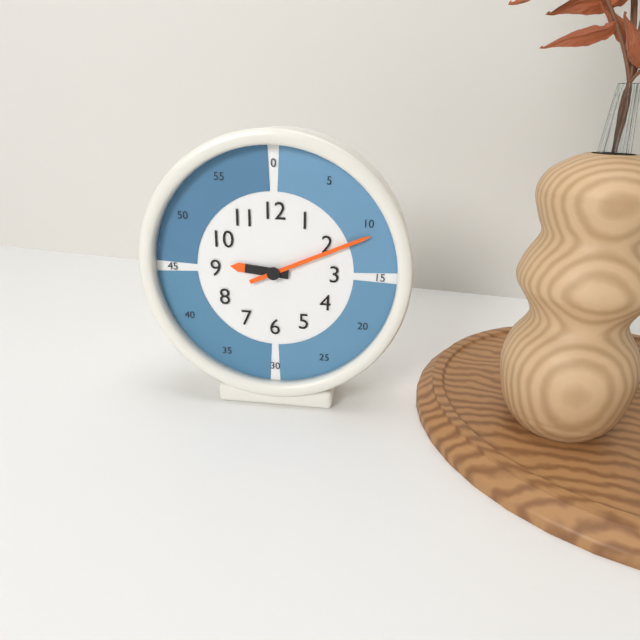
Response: 9:11
